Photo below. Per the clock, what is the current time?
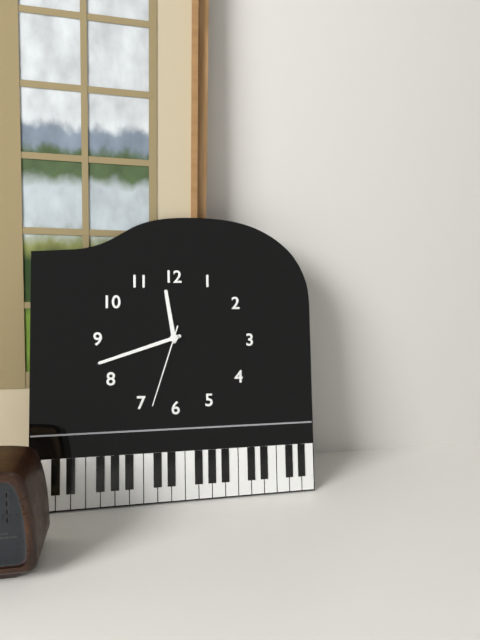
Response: 11:42:33
